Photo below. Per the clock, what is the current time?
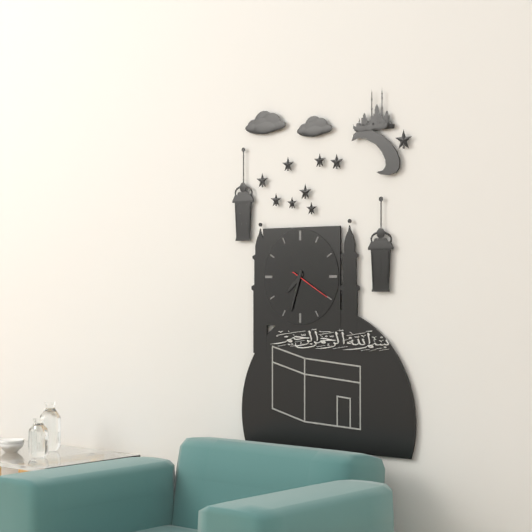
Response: 7:33
